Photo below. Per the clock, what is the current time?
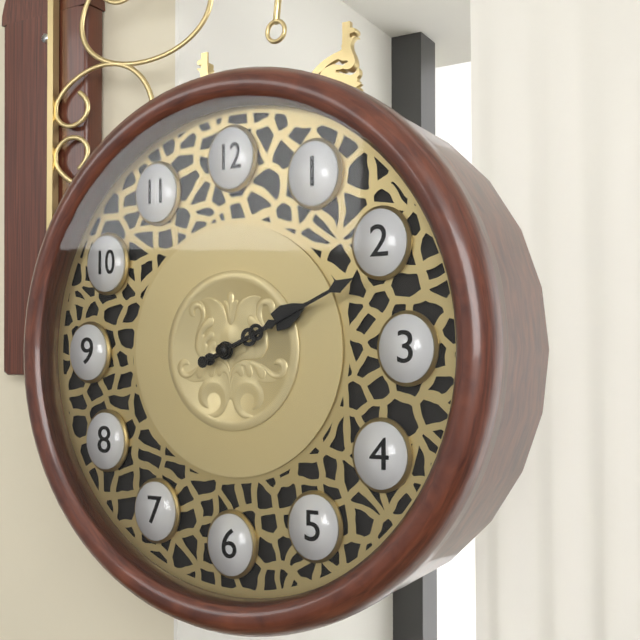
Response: 2:11
